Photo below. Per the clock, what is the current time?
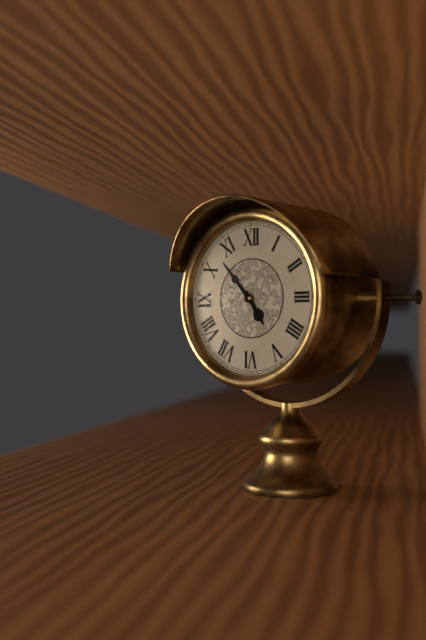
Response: 4:53
